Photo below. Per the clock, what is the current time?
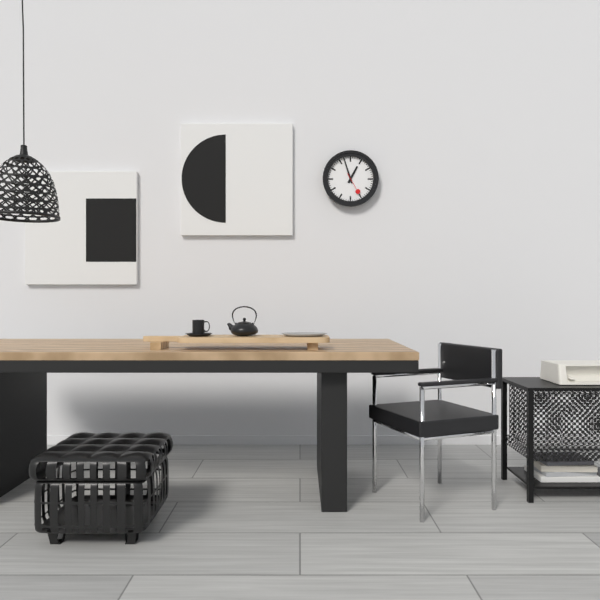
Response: 12:57
